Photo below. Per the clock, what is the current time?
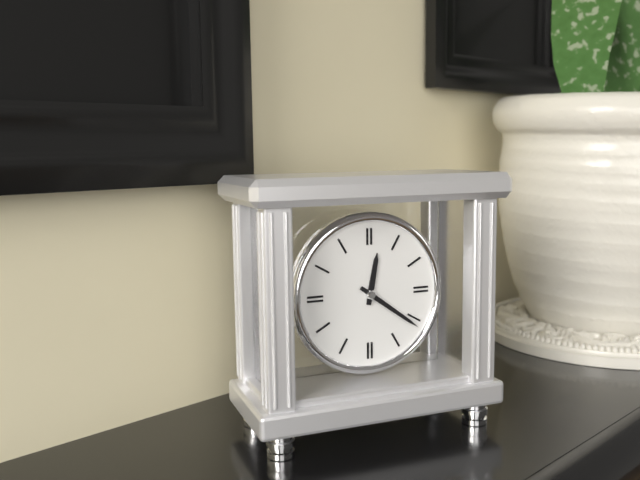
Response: 12:21
